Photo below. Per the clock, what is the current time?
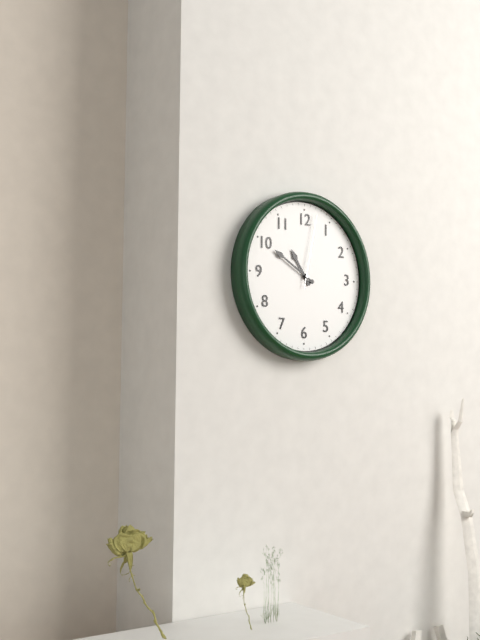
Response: 10:50:02
